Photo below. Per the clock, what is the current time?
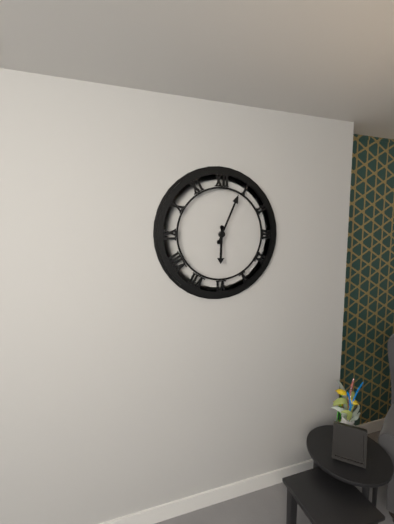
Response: 6:04
